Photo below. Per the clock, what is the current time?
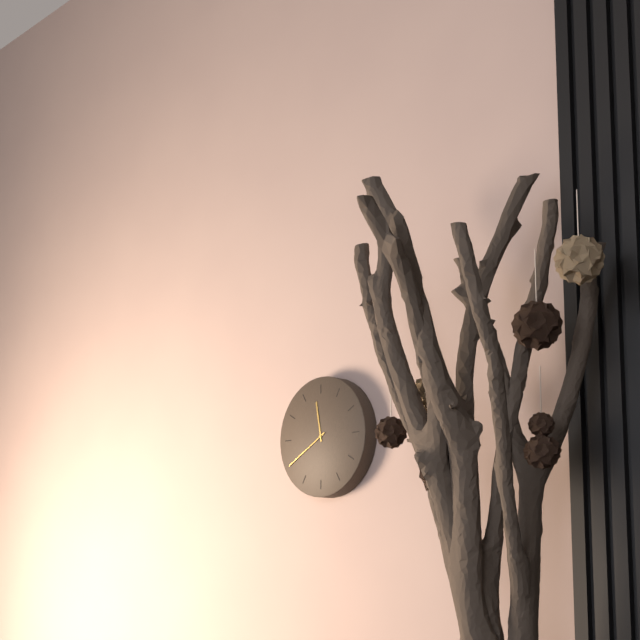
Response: 11:40
